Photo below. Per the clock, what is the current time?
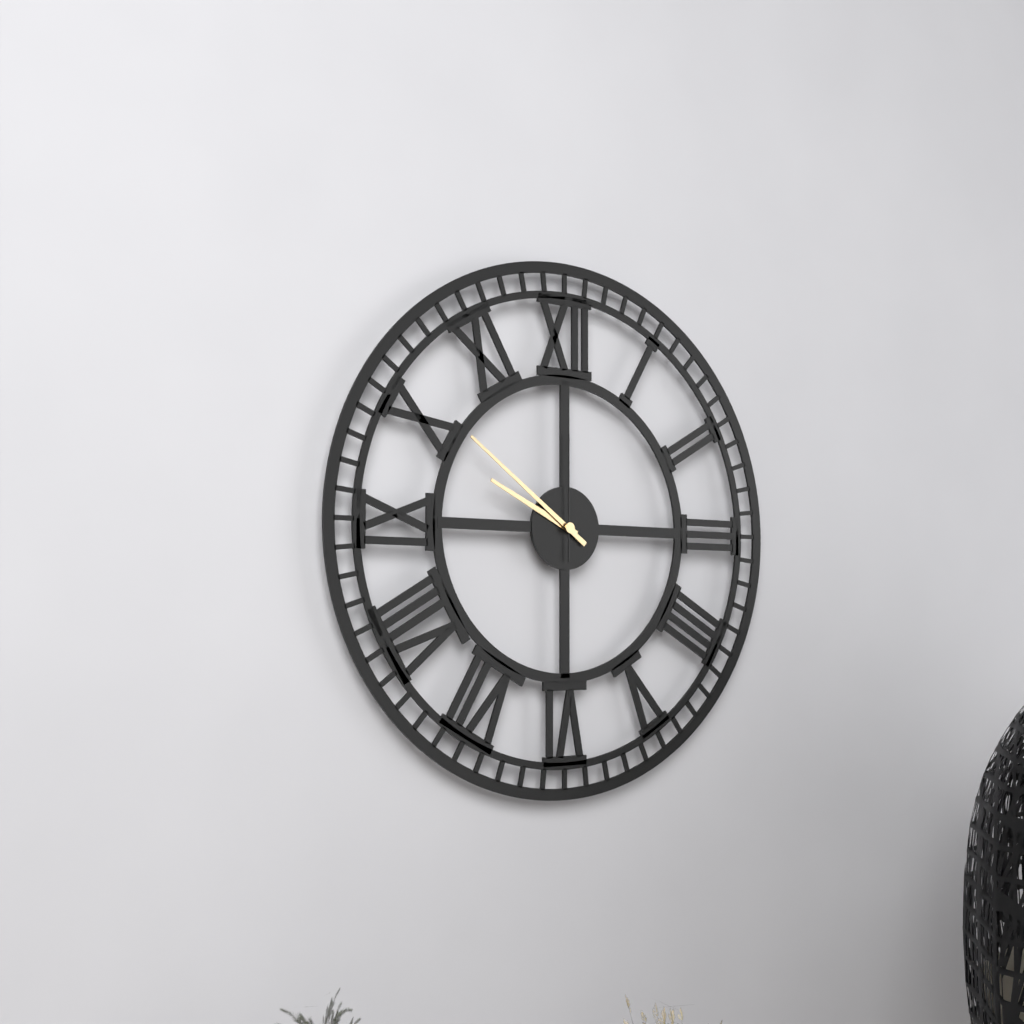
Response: 9:51:00
